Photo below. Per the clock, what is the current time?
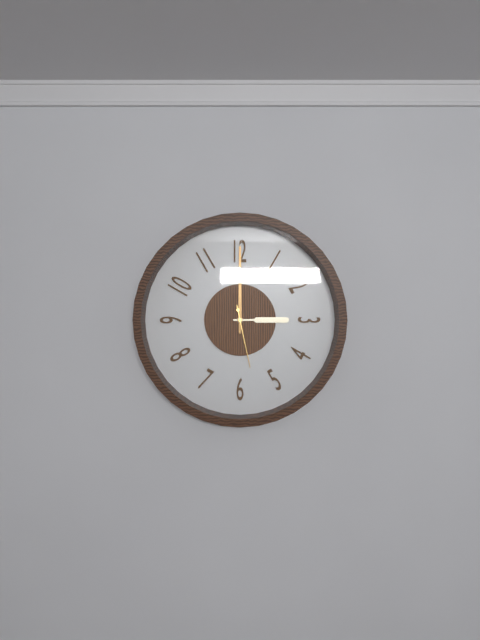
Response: 3:00:28
